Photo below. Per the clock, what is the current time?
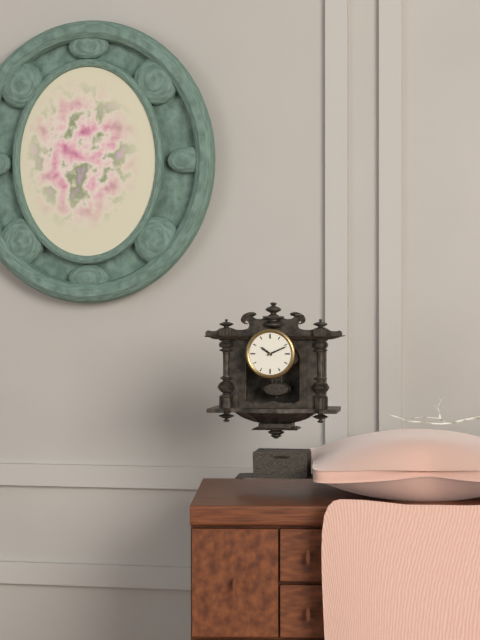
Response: 10:11
